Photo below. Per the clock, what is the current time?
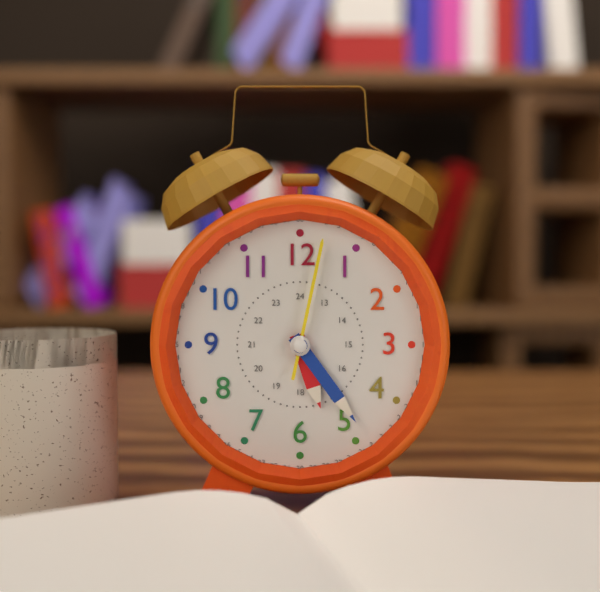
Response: 5:24:02
